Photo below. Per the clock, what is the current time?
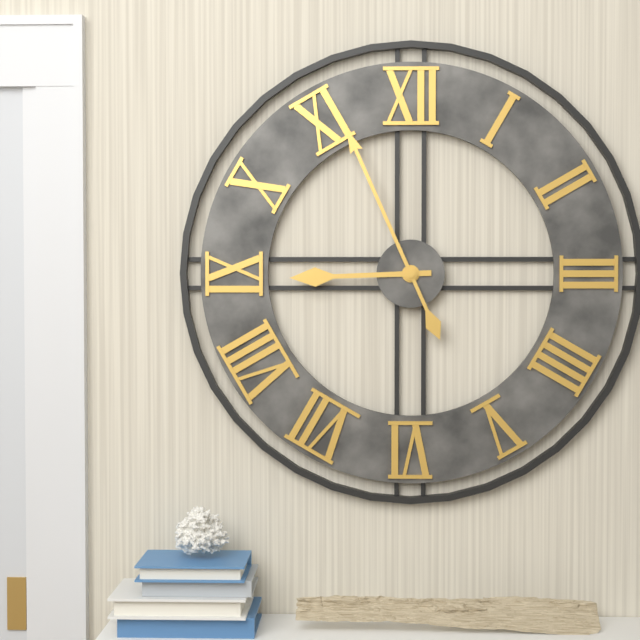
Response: 8:56
